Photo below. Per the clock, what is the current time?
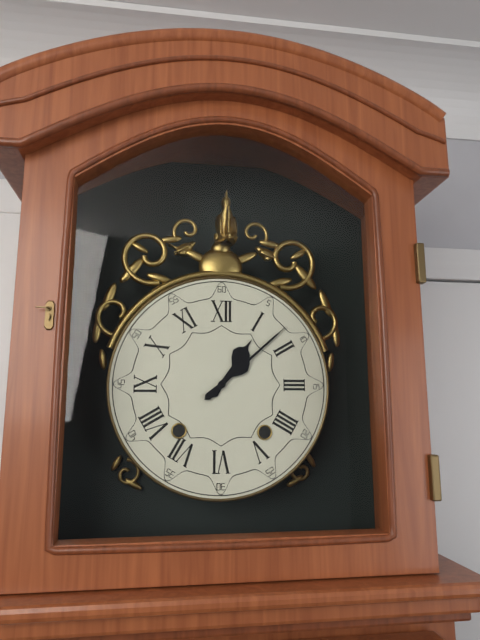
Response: 1:08
